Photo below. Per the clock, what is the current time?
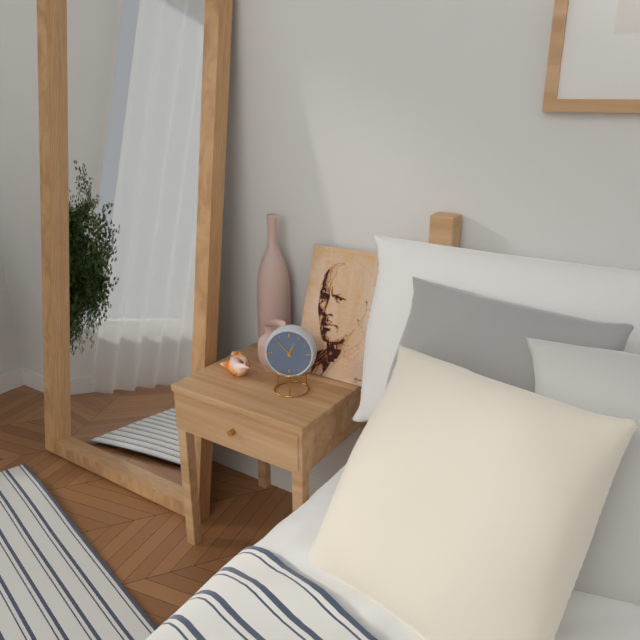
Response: 12:53
